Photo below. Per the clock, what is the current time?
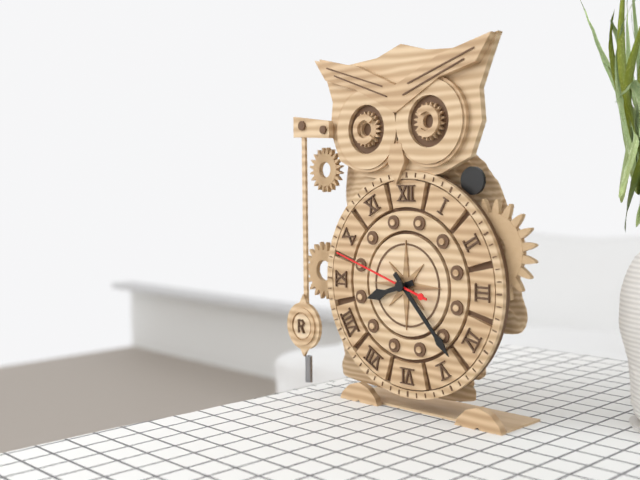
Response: 8:23:48
